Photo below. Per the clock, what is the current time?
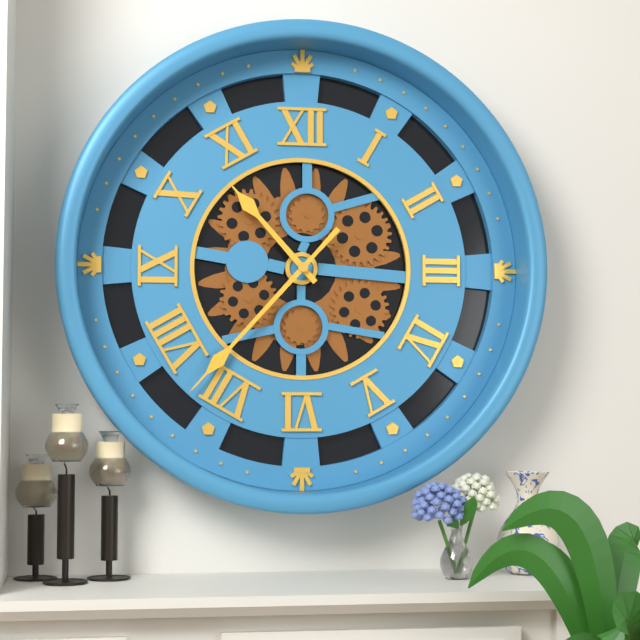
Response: 10:37
